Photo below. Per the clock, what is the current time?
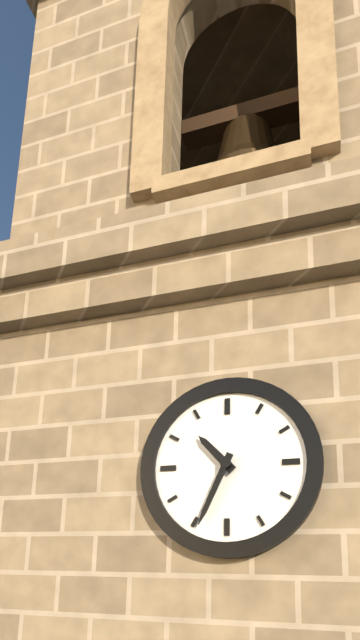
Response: 10:34
